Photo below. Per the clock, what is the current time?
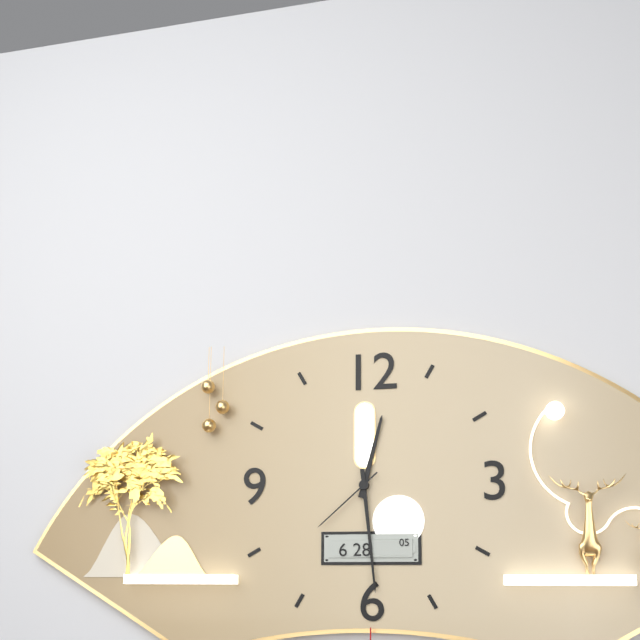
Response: 12:29:38
